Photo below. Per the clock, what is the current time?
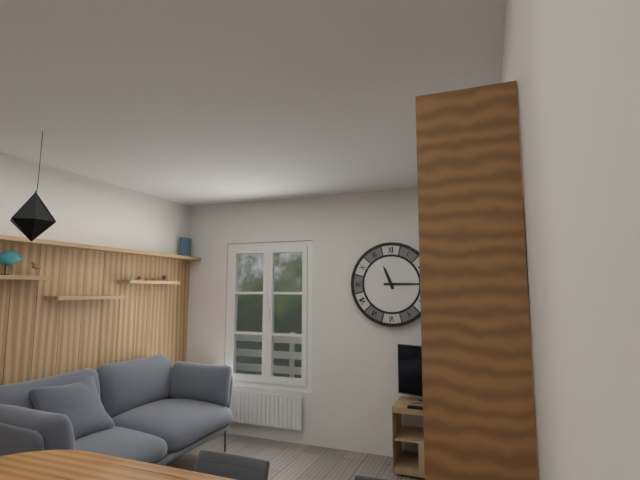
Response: 11:15
